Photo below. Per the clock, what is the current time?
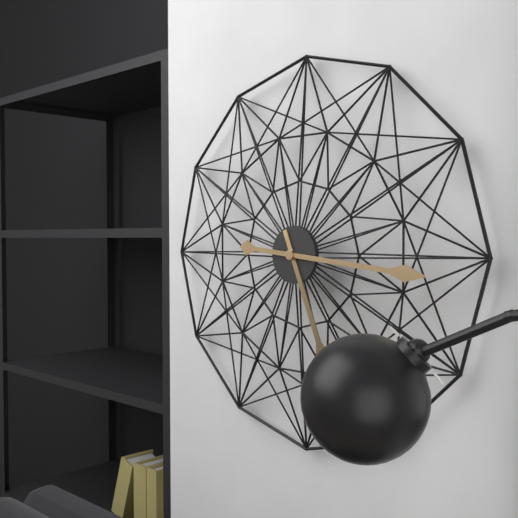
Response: 5:16
